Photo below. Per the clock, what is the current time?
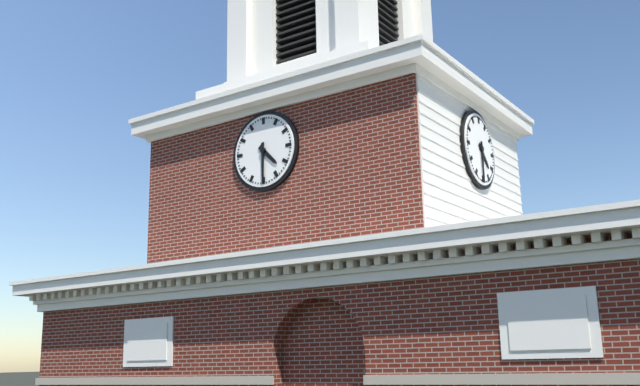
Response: 4:30
